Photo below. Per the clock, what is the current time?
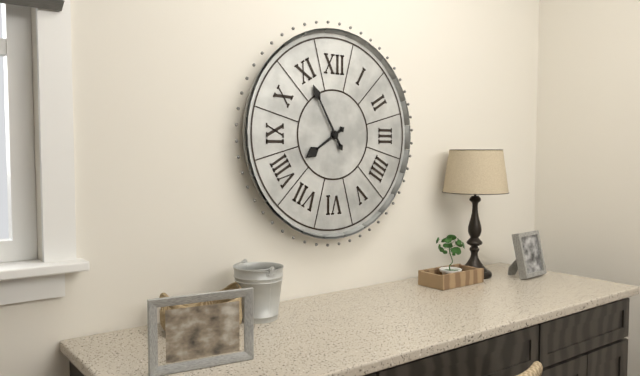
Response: 7:55
